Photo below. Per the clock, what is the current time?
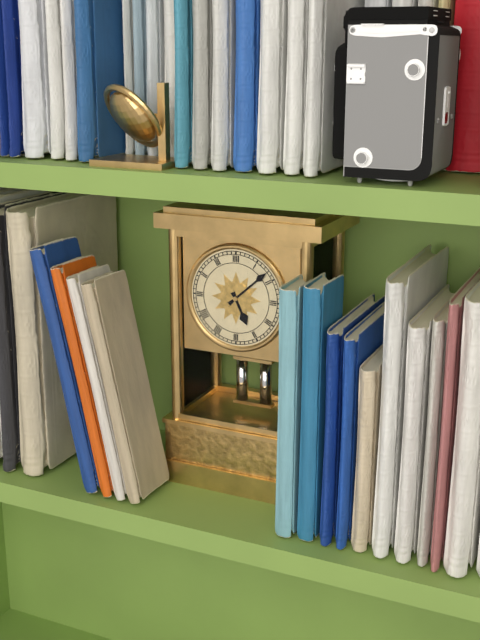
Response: 5:08
